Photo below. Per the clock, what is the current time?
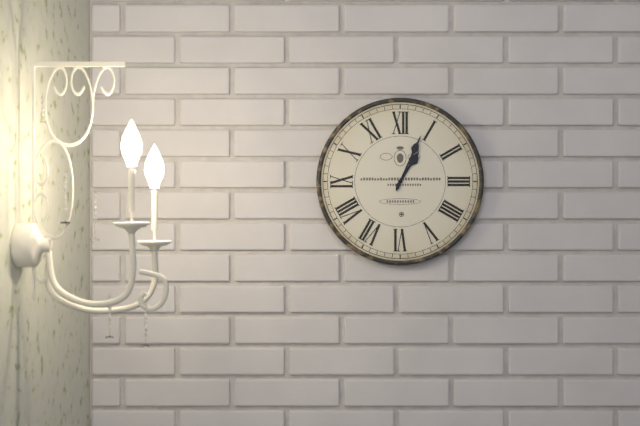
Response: 1:04
